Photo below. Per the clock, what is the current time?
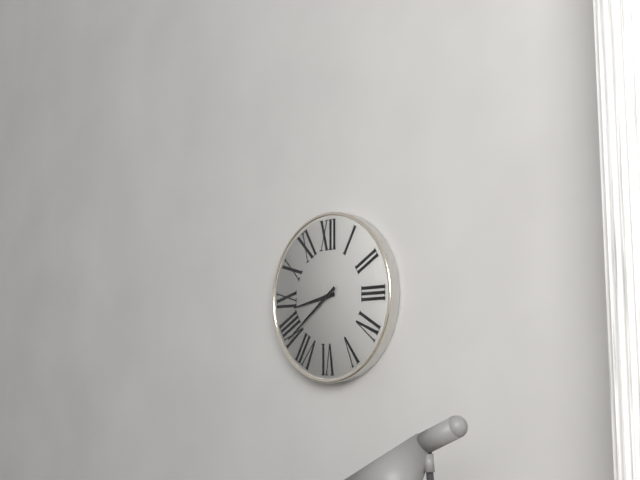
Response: 8:39
